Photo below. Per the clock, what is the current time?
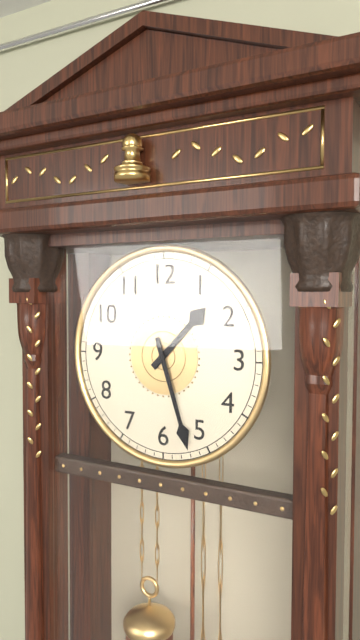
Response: 1:27
